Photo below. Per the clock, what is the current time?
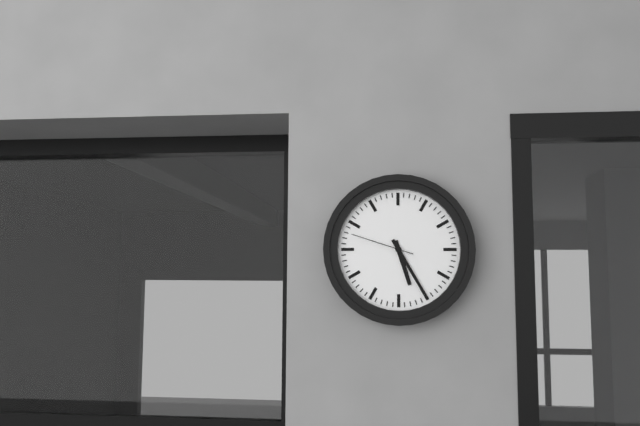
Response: 5:25:48
